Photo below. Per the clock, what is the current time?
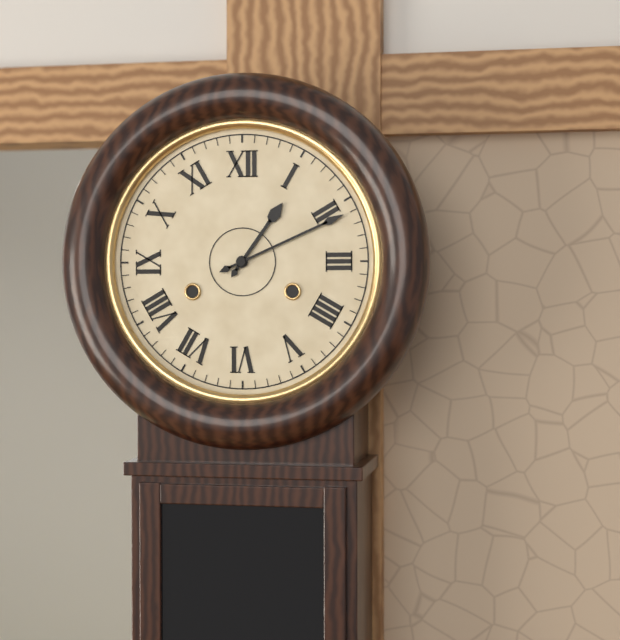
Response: 1:11
